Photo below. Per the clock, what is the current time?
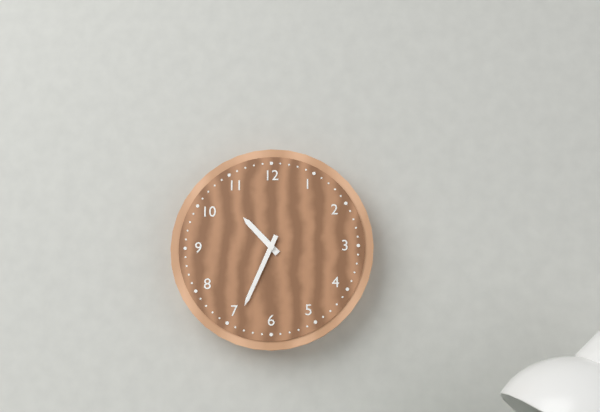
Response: 10:34
